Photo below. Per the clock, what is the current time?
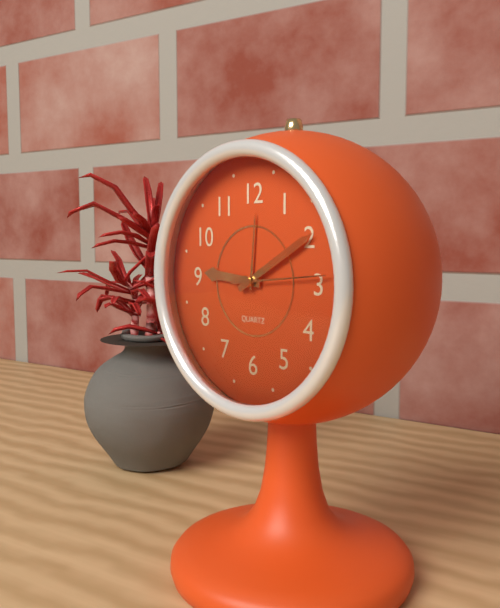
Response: 9:10:14
